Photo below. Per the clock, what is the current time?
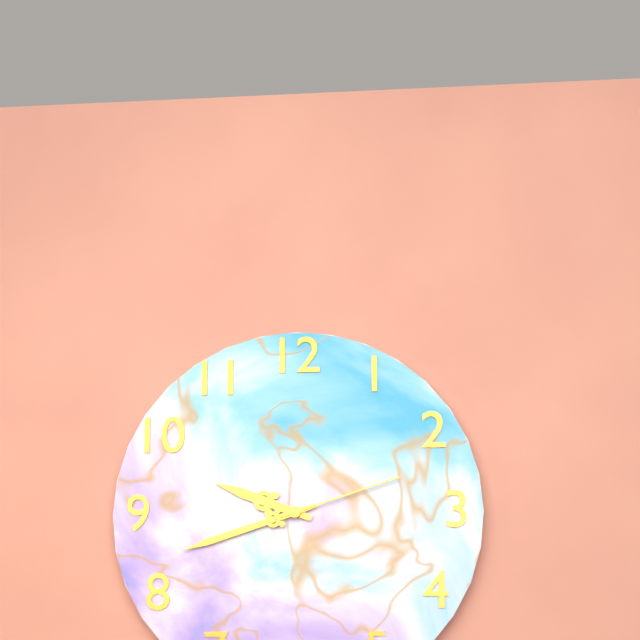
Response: 9:42:12
